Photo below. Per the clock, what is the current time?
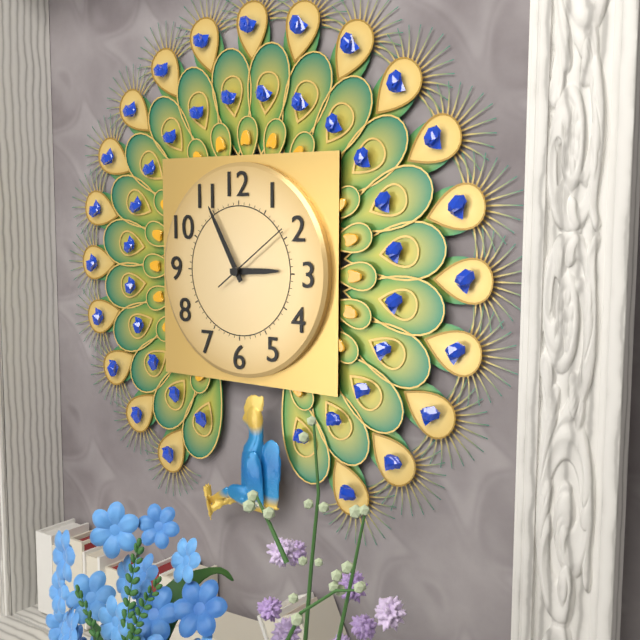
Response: 2:55:09
